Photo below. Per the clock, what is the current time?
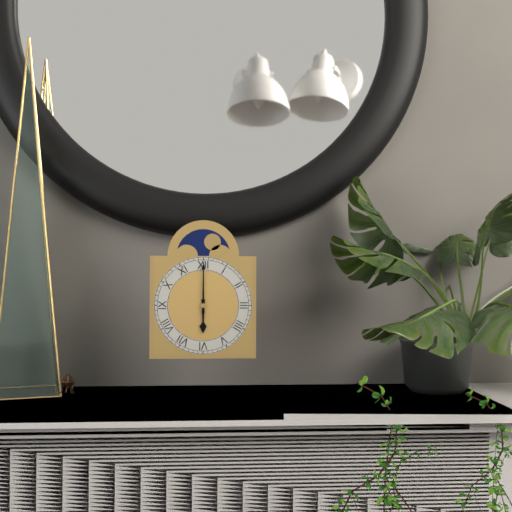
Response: 6:00
